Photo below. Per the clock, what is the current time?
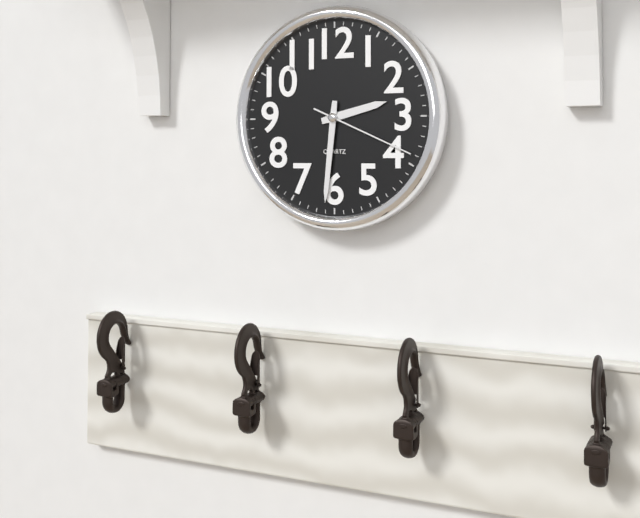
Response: 2:31:19
